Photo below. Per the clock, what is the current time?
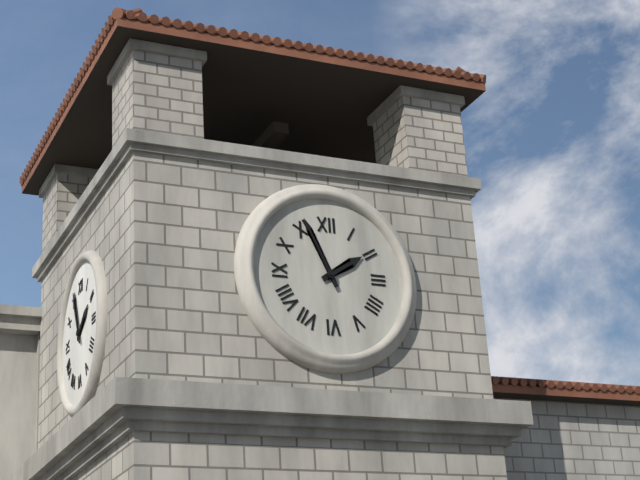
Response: 1:56
